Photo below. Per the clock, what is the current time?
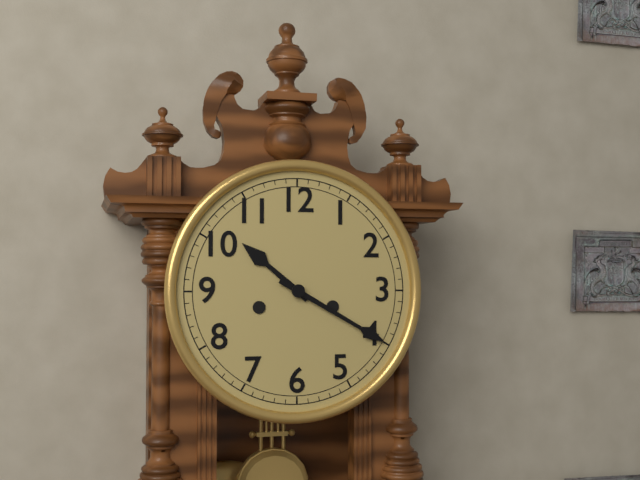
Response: 10:20
